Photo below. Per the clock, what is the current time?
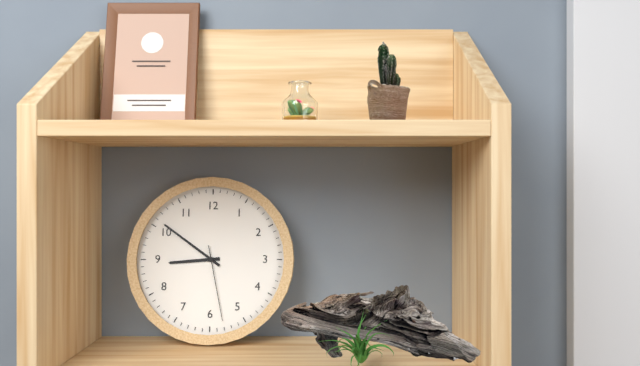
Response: 8:51:28
